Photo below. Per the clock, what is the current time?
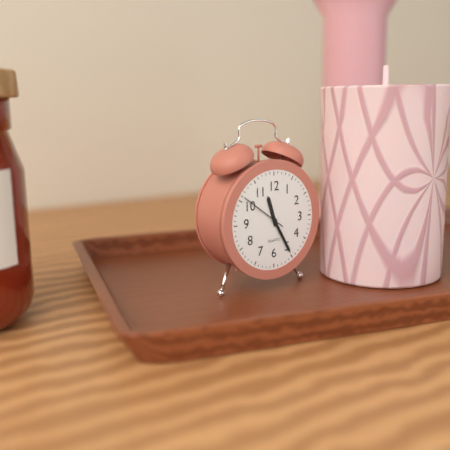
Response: 11:25
